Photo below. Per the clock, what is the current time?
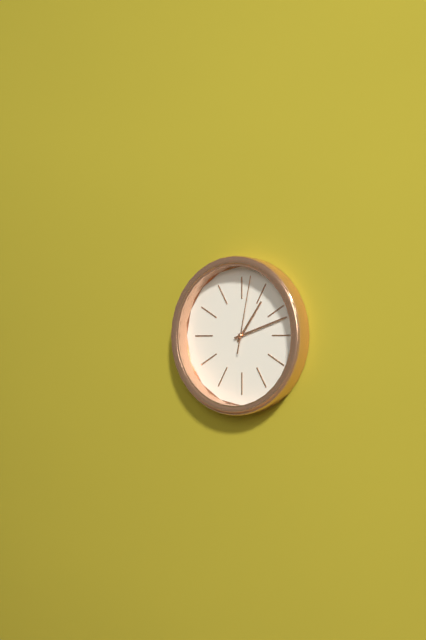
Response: 1:12:02
